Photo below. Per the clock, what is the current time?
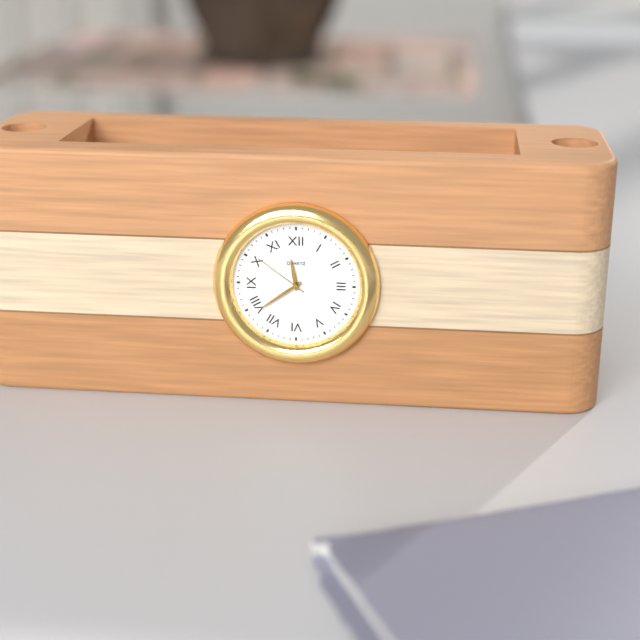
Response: 11:39:51
